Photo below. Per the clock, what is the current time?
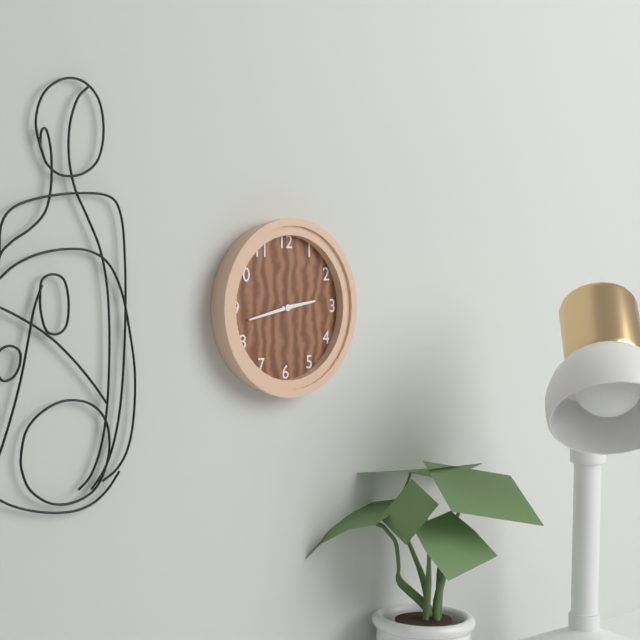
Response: 2:43
